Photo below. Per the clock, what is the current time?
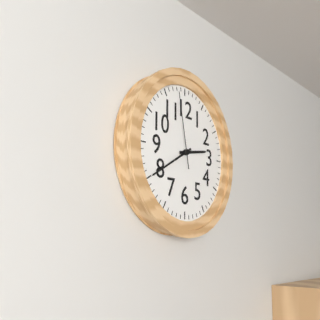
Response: 2:40:58
